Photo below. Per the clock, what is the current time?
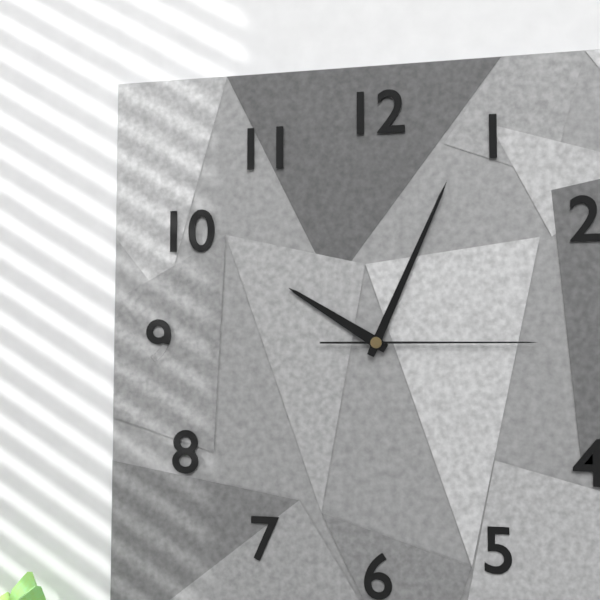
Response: 10:04:15
